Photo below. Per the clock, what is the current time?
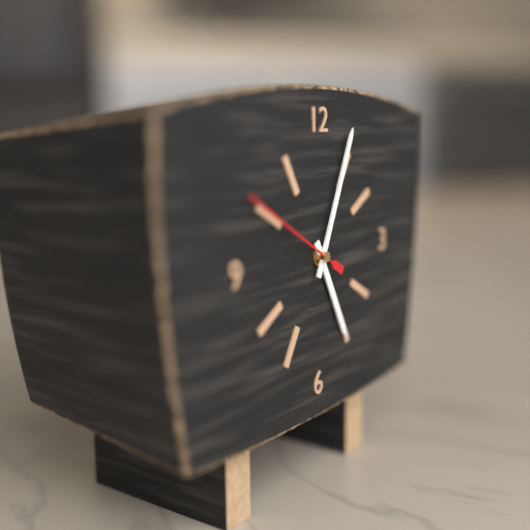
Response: 5:04:50
